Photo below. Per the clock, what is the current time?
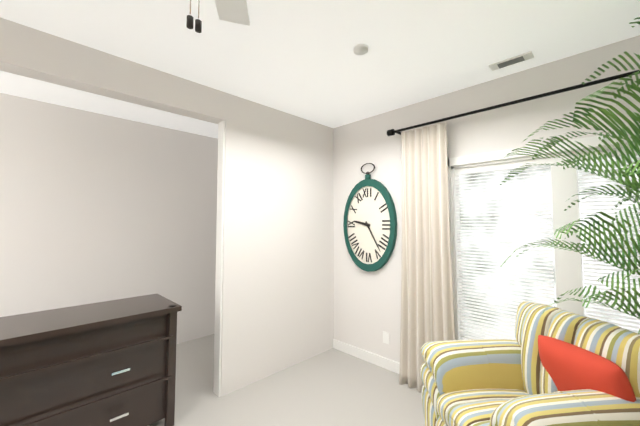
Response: 9:25
